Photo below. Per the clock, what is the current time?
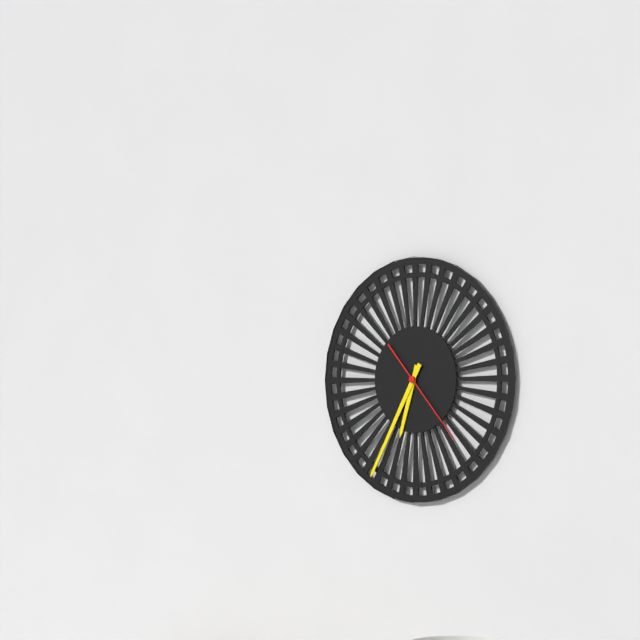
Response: 6:35:23
